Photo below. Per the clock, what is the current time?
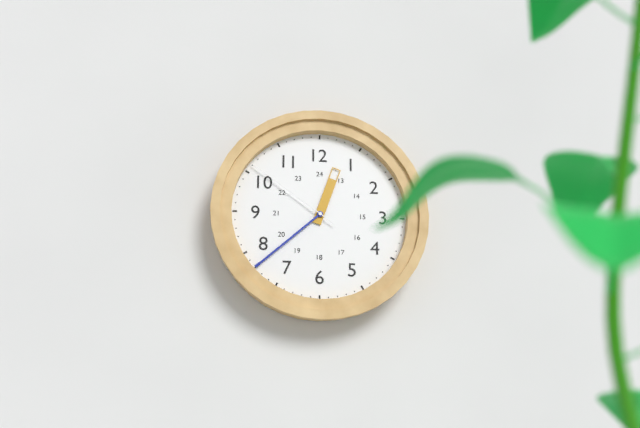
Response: 12:38:51
